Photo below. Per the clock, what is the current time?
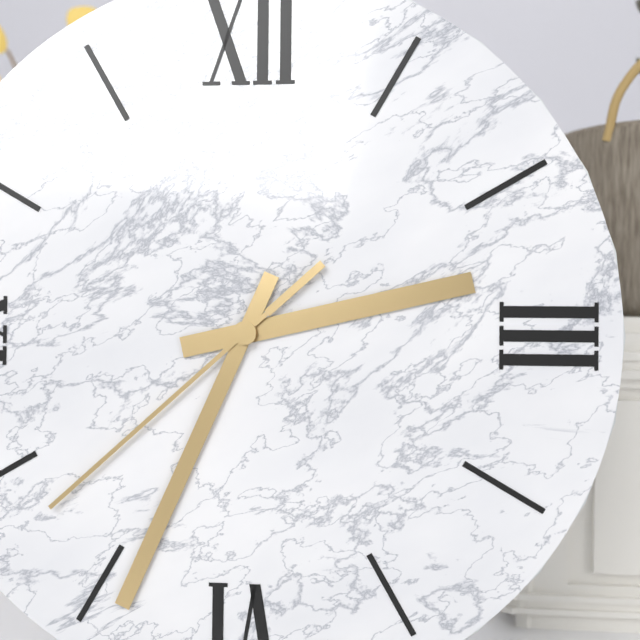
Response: 2:34:38
